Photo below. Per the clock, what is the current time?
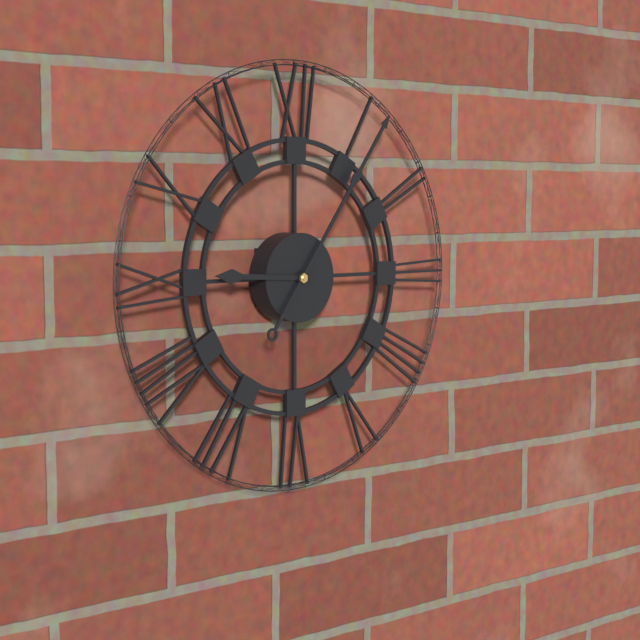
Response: 9:06
